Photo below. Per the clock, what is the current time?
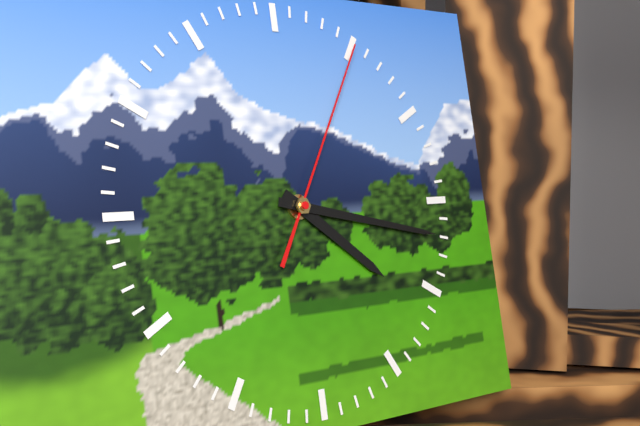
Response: 4:17:05
